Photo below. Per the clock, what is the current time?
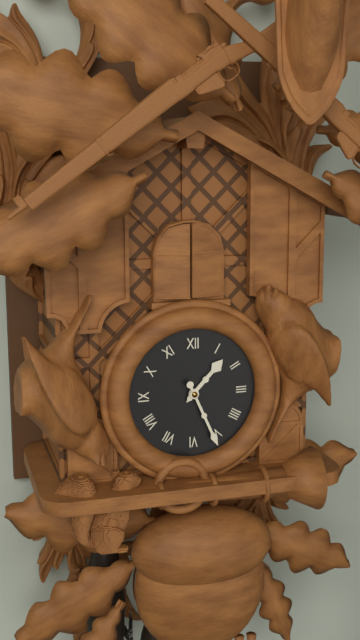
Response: 1:26
